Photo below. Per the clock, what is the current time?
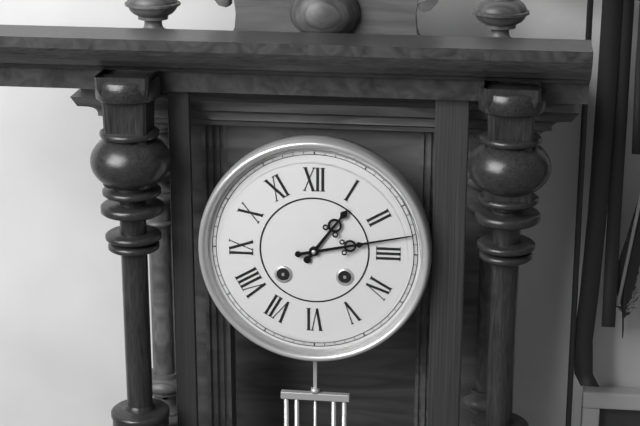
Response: 1:13
